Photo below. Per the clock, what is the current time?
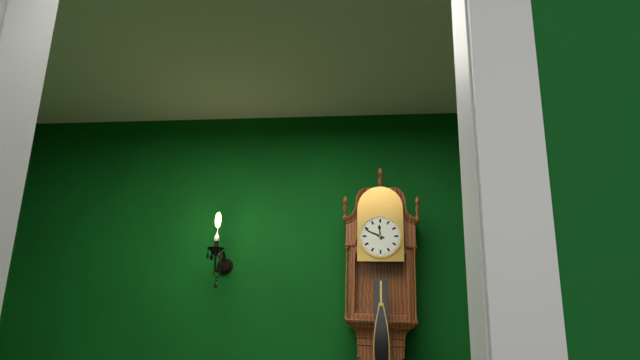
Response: 11:49
